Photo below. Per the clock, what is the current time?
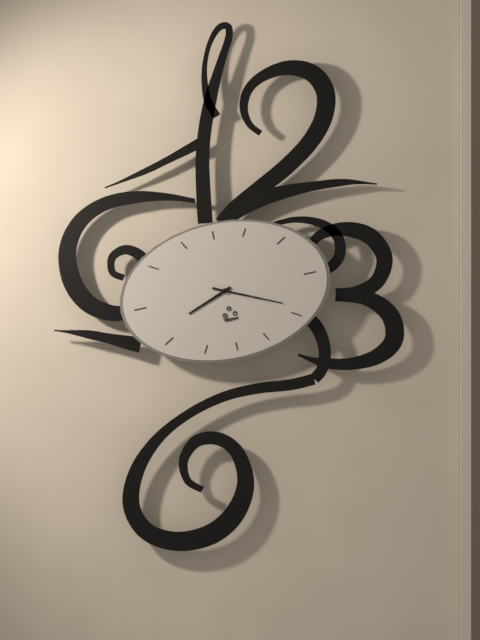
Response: 8:19
